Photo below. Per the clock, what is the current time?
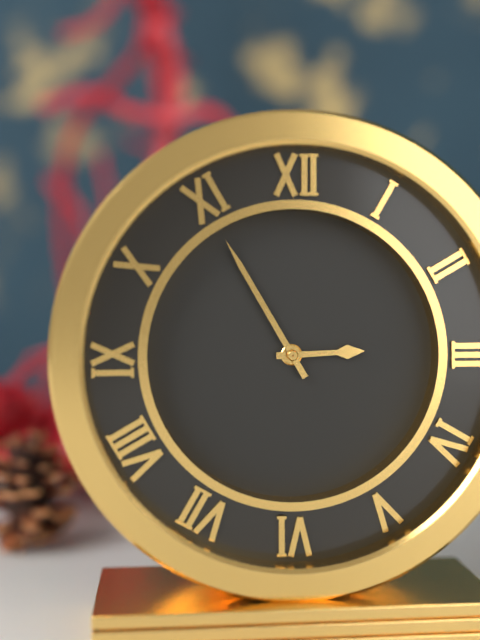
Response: 2:55
